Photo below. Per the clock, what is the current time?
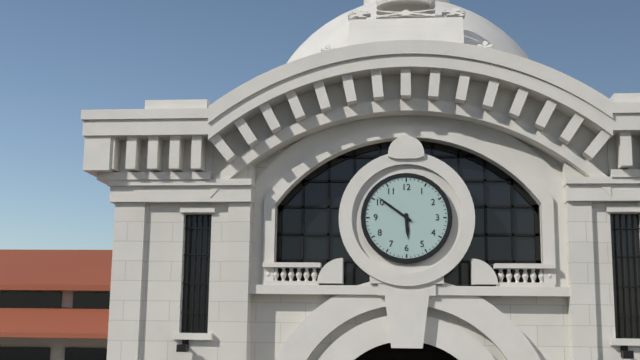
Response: 5:51
